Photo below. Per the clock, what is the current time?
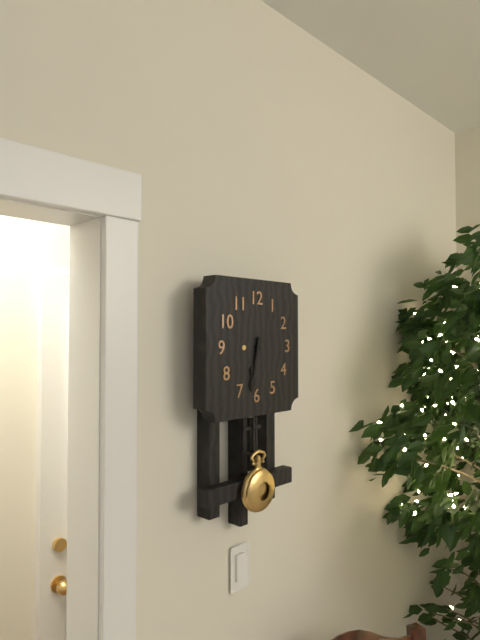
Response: 6:32
